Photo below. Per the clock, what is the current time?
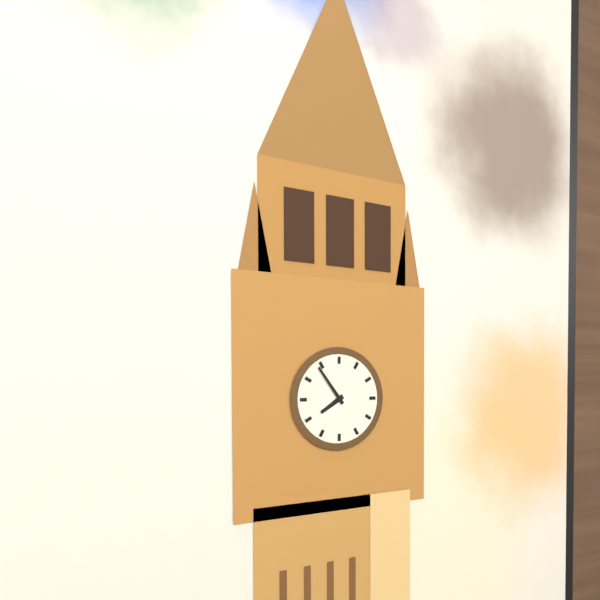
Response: 7:54
